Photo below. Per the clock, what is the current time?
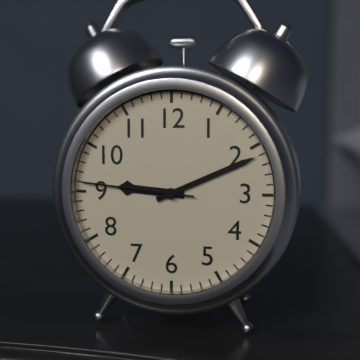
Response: 9:11:46
